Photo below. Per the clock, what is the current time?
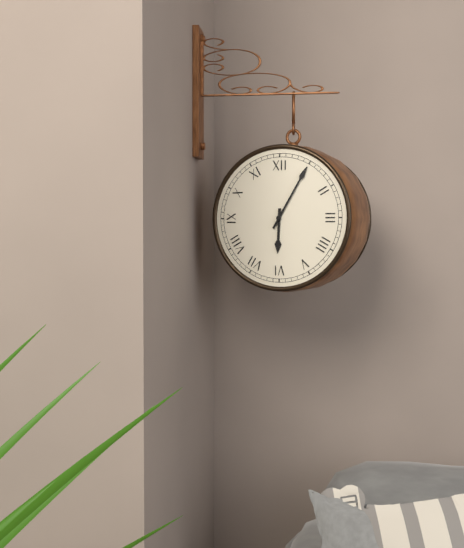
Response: 6:05
